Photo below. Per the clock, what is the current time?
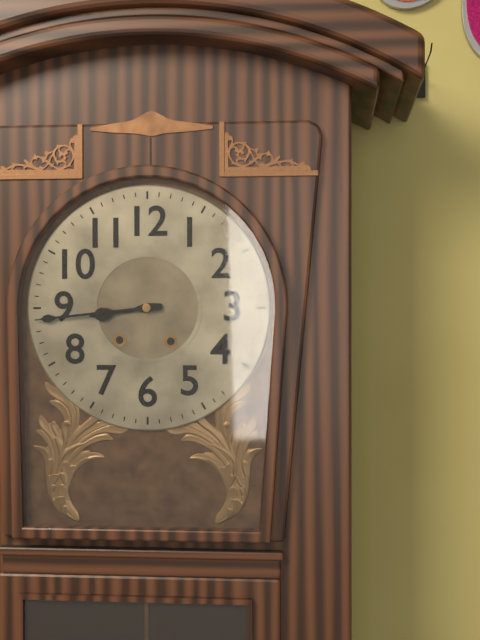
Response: 8:44
